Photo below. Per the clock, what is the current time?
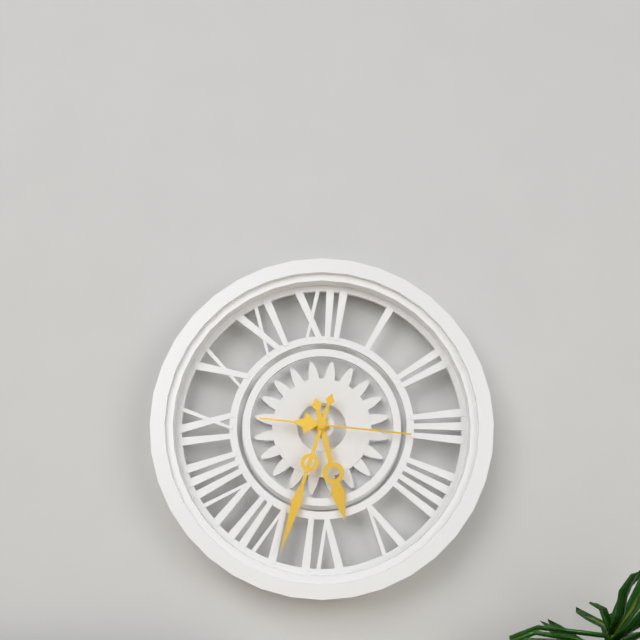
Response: 5:33:16
